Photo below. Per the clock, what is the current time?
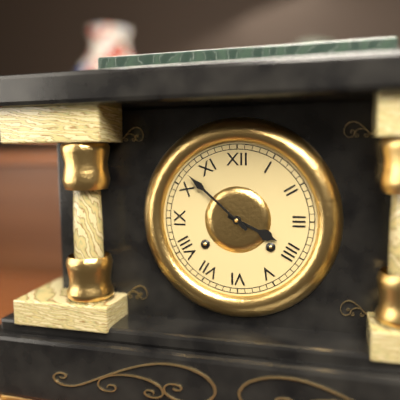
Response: 3:52
